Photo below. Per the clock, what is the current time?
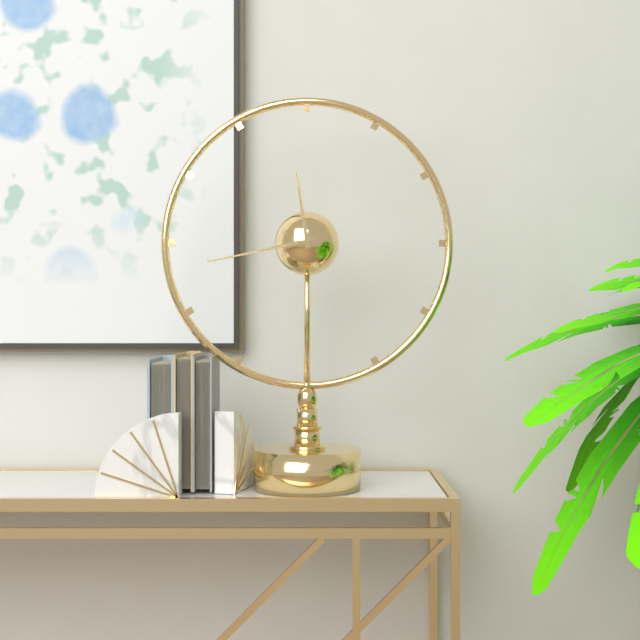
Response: 11:43
